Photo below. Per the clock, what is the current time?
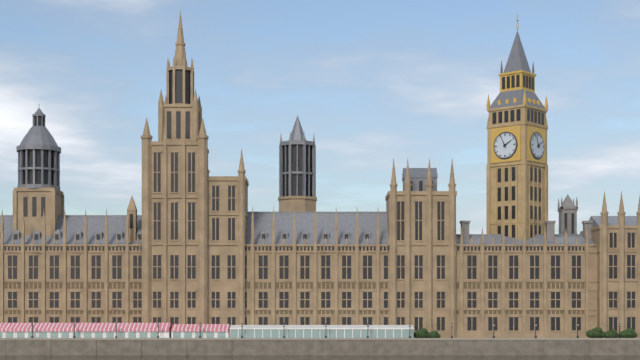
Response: 1:56
